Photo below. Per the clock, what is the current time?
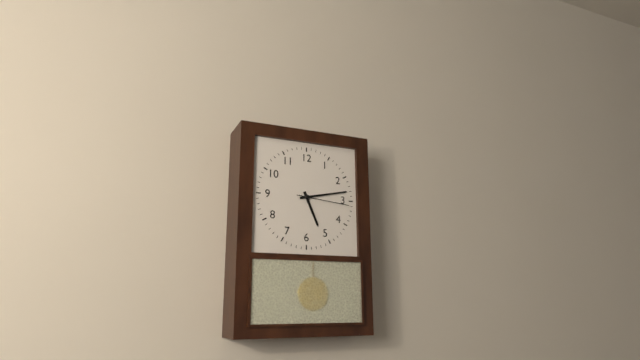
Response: 5:13:16
